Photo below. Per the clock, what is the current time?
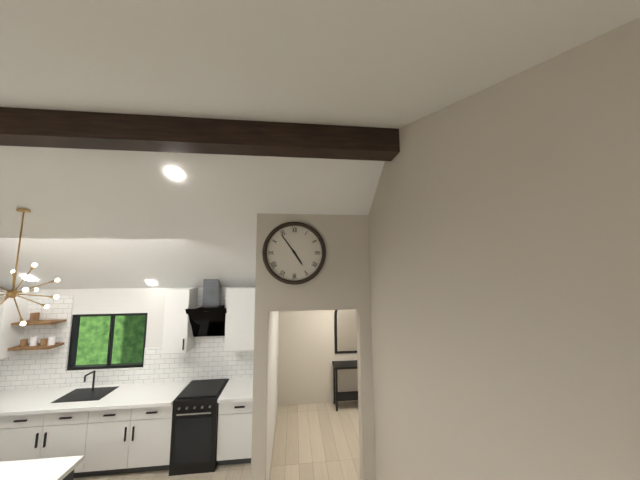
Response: 4:54
